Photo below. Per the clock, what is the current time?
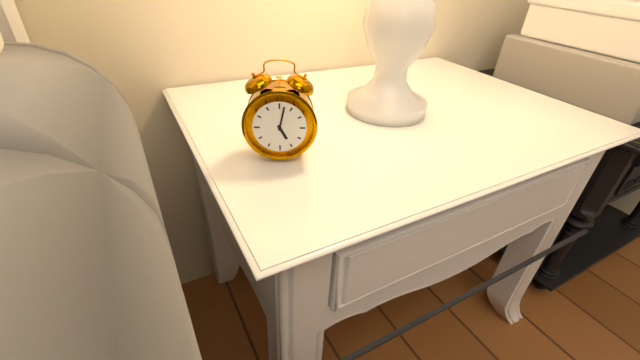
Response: 5:02
